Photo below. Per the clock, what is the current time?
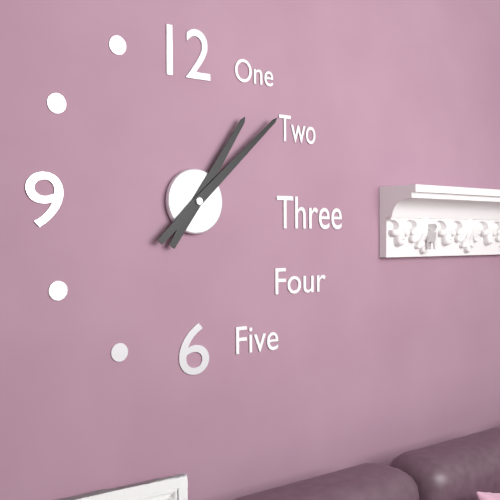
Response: 1:08
